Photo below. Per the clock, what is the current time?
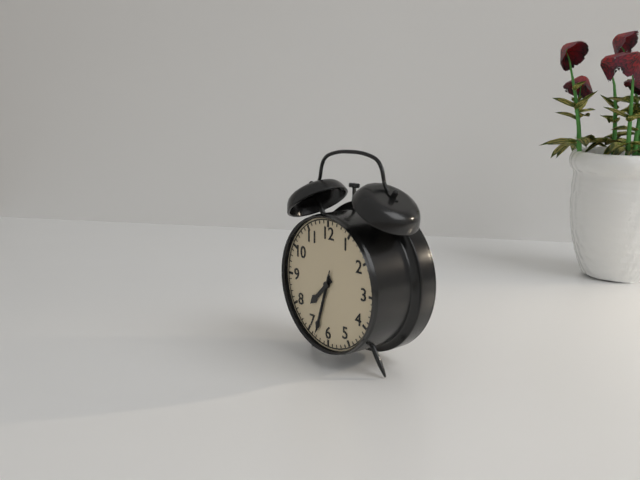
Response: 7:33:33
